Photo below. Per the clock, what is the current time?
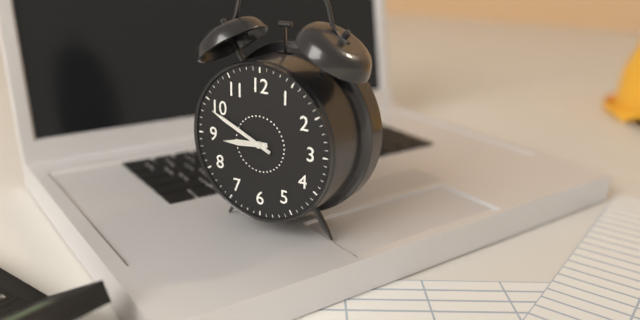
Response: 8:49
